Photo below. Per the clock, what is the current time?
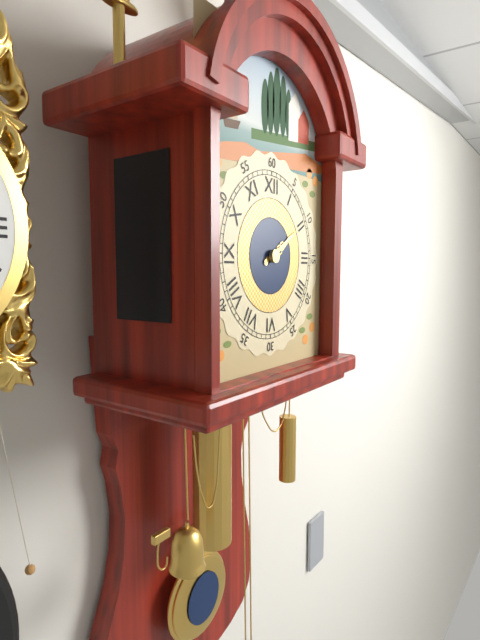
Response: 2:10
